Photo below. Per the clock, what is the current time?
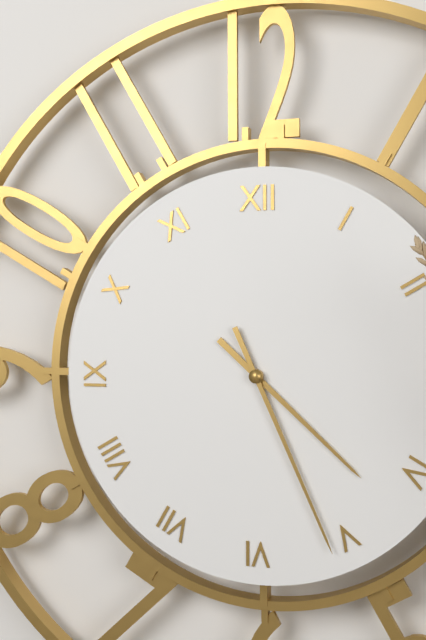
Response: 4:26
